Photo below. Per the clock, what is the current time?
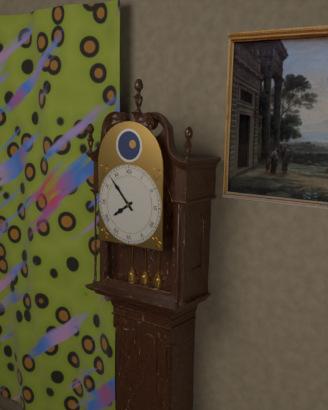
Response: 7:53
